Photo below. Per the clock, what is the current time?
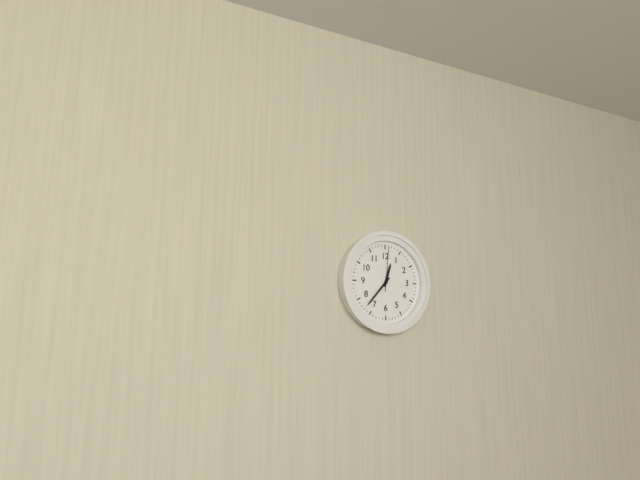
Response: 12:37
